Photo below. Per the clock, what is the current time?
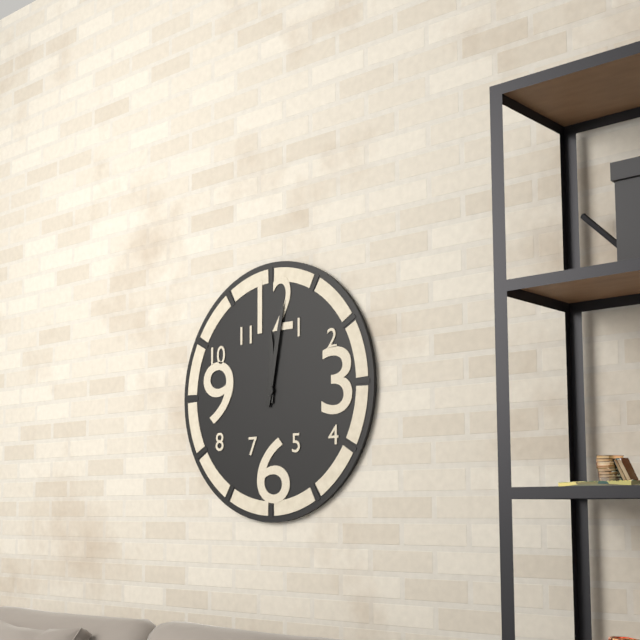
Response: 12:02
